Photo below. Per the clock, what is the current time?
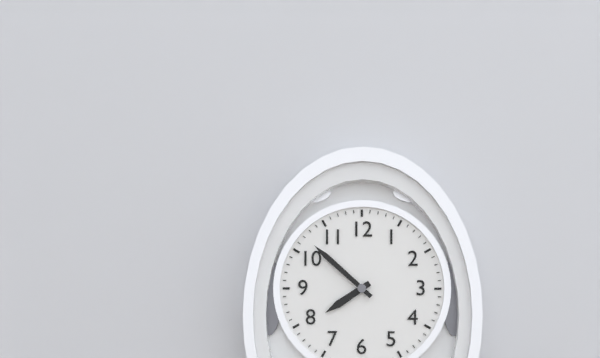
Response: 7:52
